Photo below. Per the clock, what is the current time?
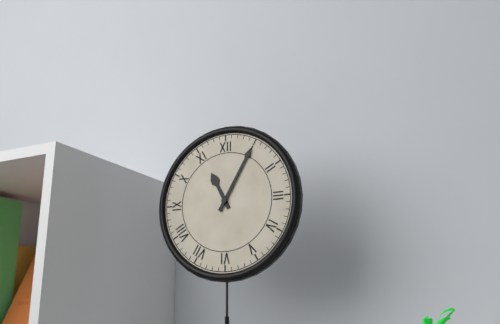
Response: 11:05
